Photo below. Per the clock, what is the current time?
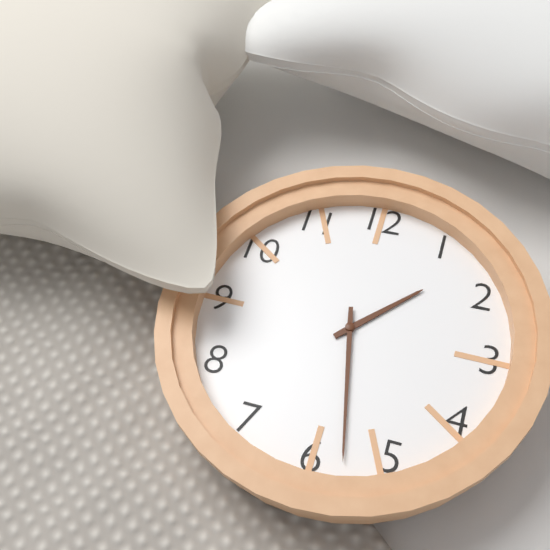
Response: 1:28
